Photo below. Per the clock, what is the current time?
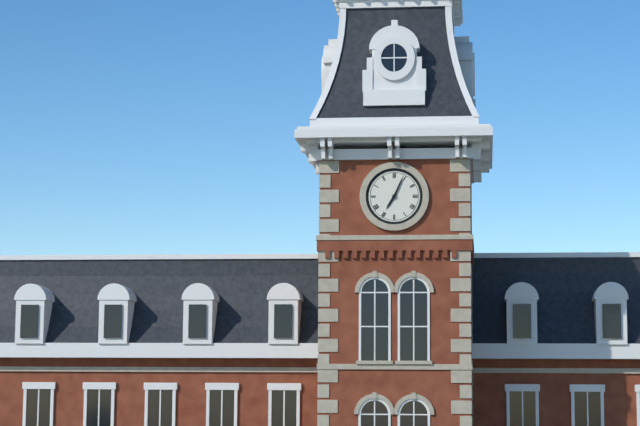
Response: 7:04
